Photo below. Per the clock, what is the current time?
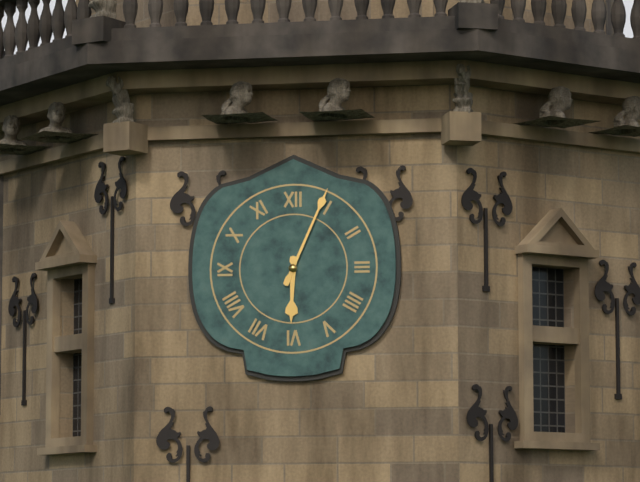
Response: 6:04
